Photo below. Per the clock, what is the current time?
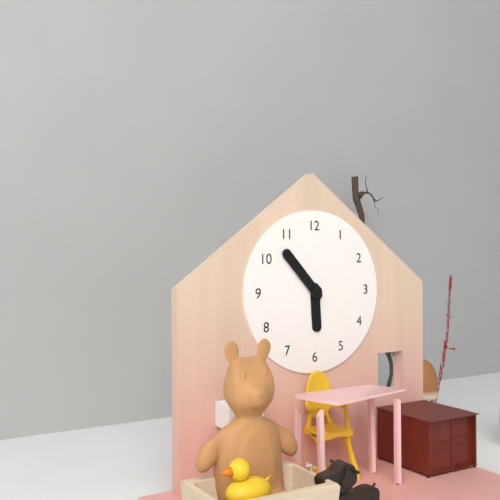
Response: 5:53
